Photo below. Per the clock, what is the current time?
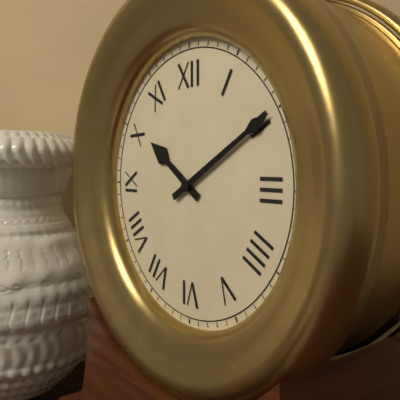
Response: 10:10
